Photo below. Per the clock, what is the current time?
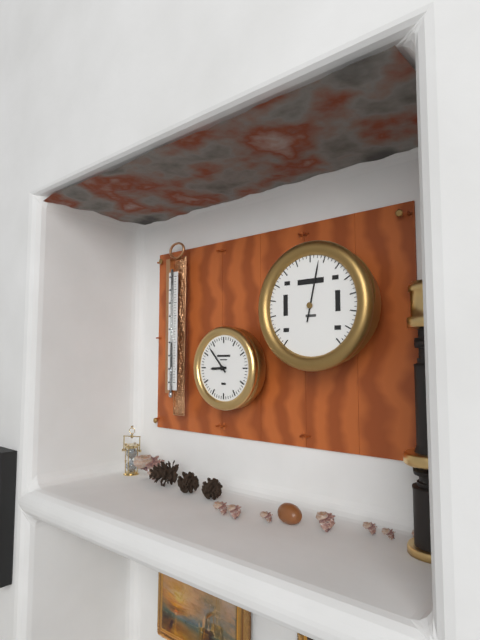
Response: 8:53
